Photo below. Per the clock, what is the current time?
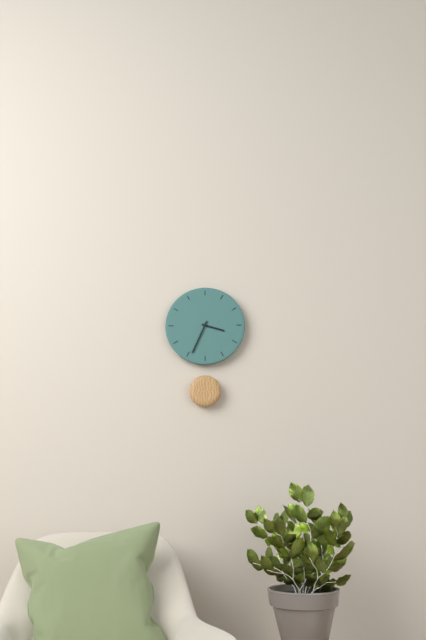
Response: 3:34
